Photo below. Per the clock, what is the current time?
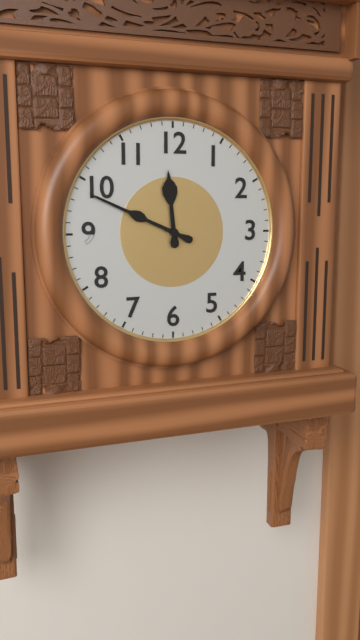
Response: 11:49
